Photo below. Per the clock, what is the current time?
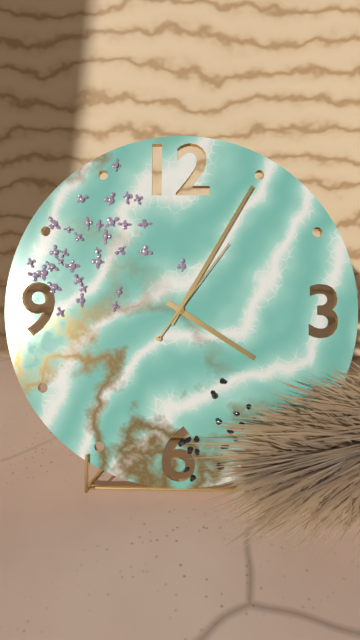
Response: 4:05:06
